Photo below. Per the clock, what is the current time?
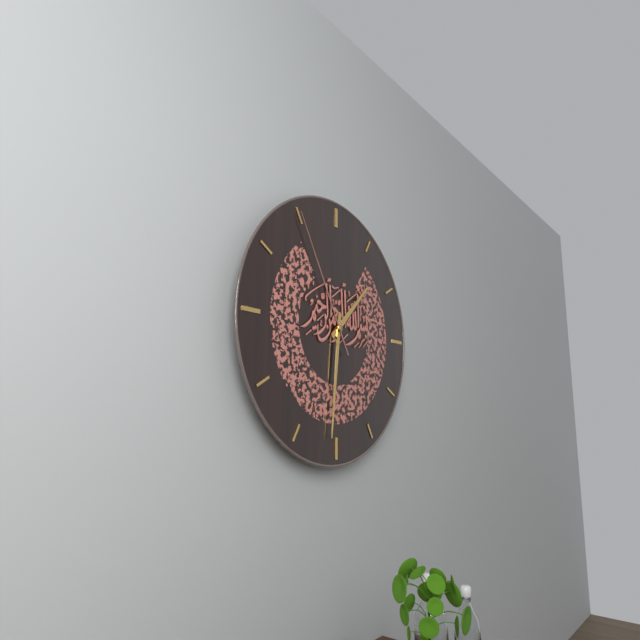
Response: 1:31:55
